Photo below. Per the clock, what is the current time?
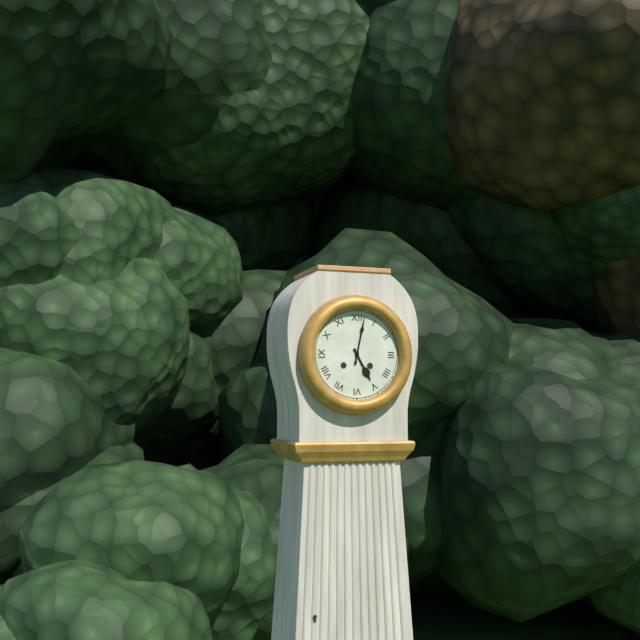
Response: 5:02
